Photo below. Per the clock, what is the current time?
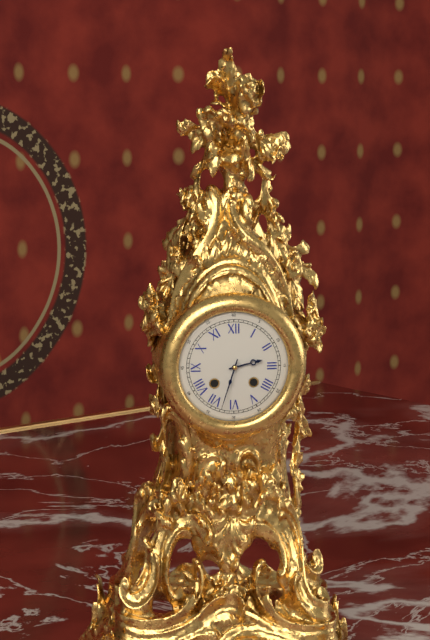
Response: 2:33
